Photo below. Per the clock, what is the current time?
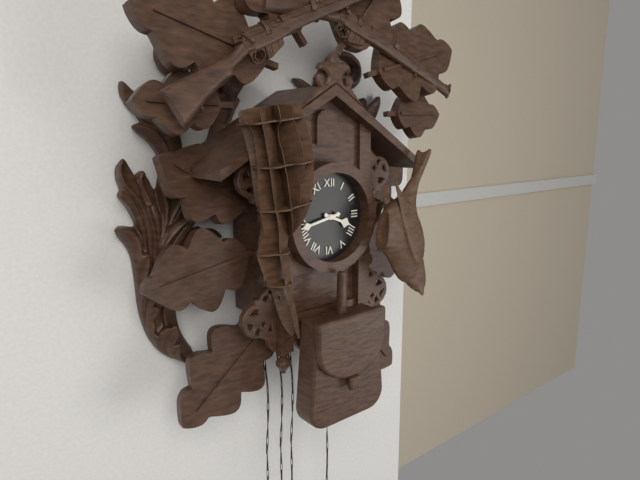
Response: 3:43
